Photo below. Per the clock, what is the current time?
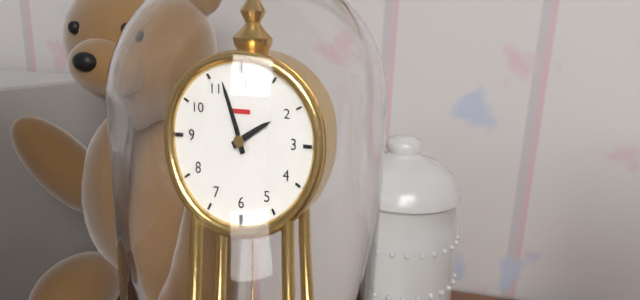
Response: 1:57
